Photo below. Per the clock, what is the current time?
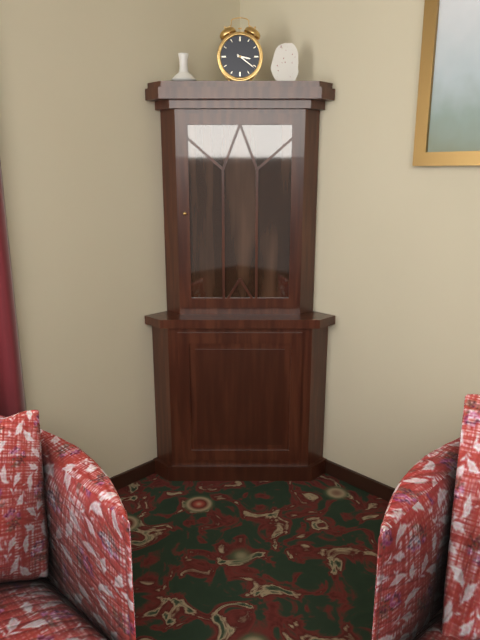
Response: 3:21
